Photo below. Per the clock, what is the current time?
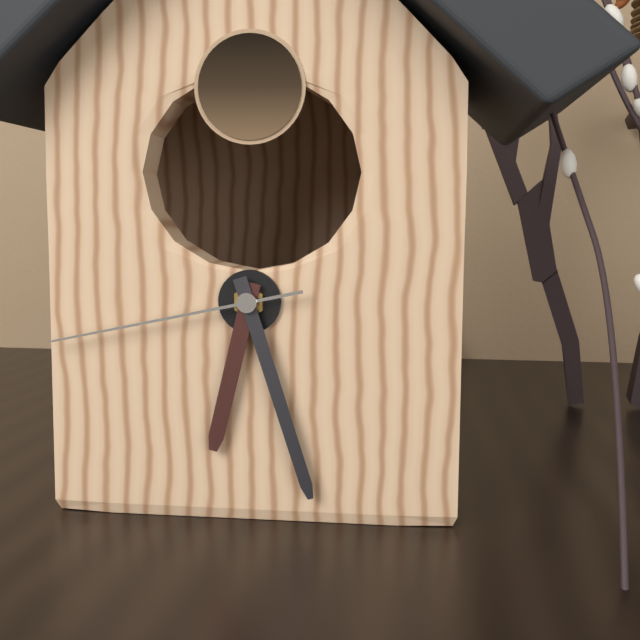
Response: 6:27:43
